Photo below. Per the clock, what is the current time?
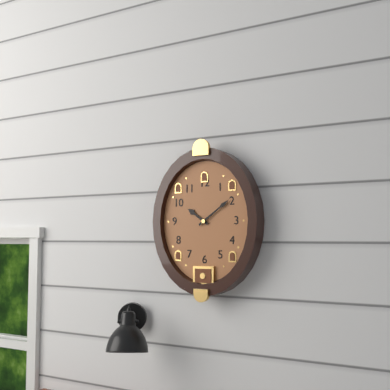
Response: 10:09
